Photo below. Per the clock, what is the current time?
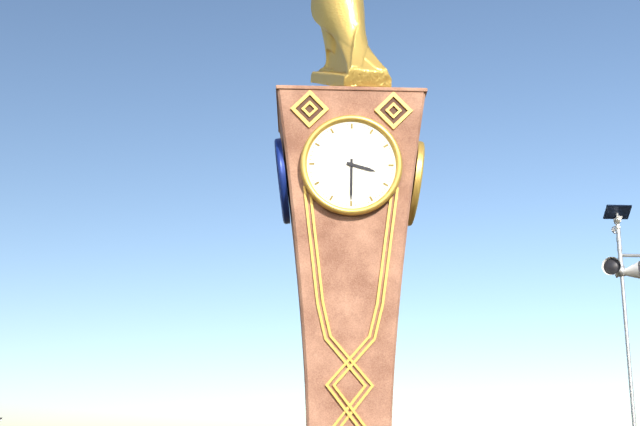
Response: 3:30
